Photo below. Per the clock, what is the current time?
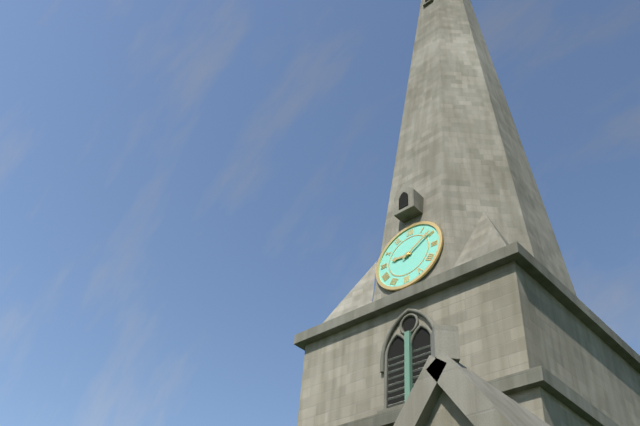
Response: 9:09
